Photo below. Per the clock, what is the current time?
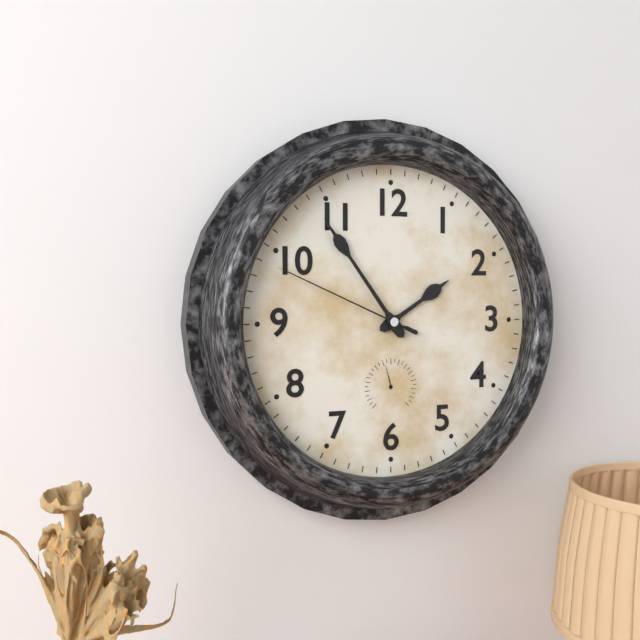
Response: 1:54:49
